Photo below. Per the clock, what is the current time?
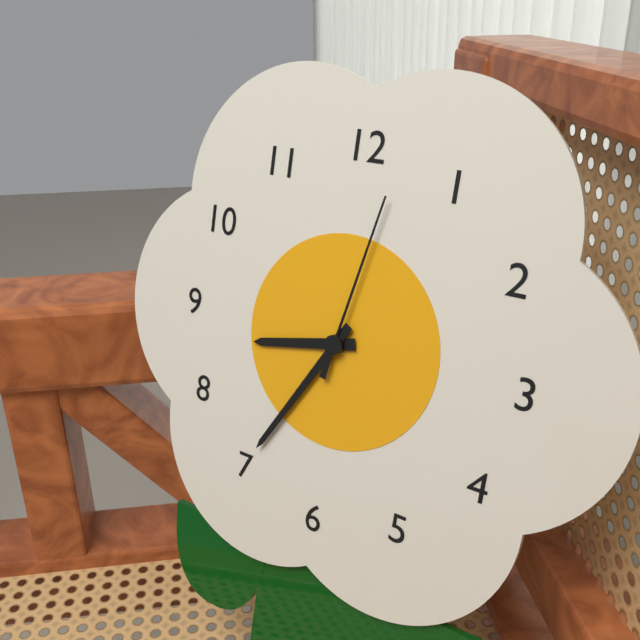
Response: 8:35:02
